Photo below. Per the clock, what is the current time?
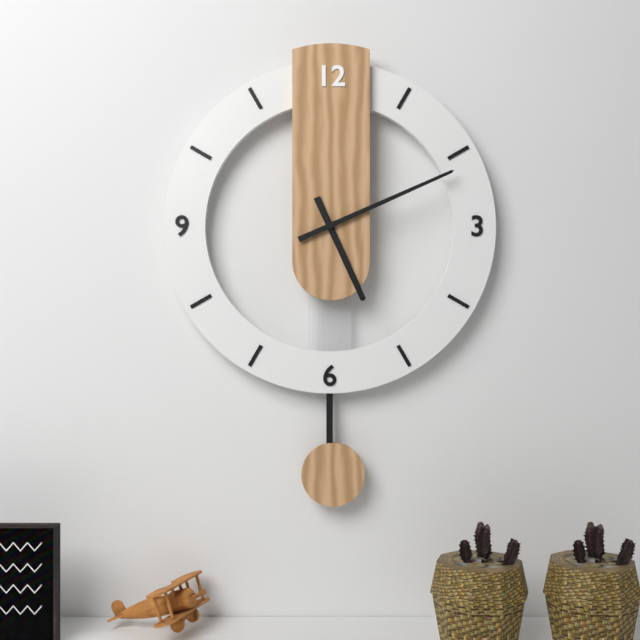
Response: 5:11
